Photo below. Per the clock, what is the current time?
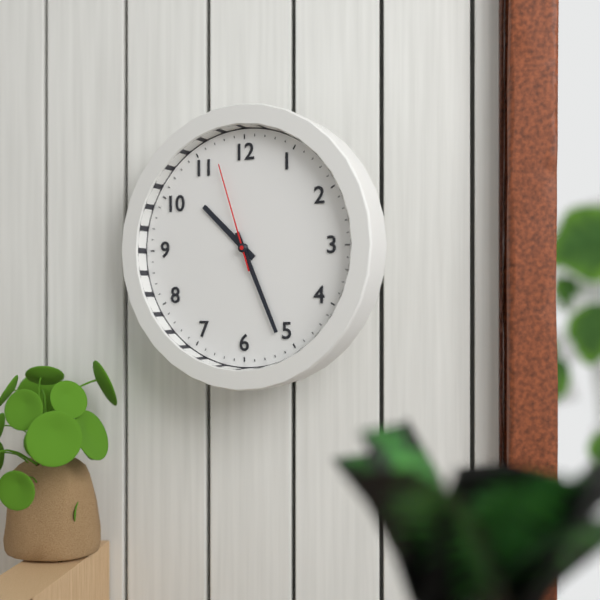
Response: 10:26:57
